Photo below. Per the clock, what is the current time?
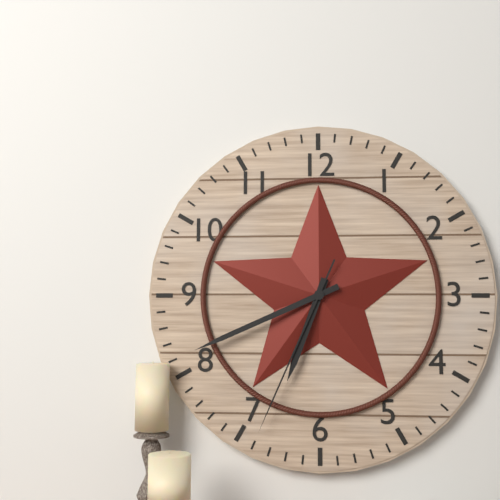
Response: 6:41:34
